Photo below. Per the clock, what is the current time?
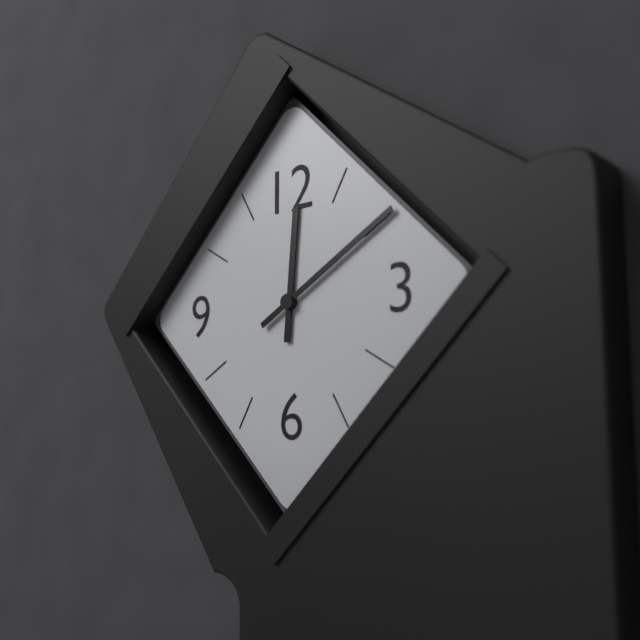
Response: 12:10
